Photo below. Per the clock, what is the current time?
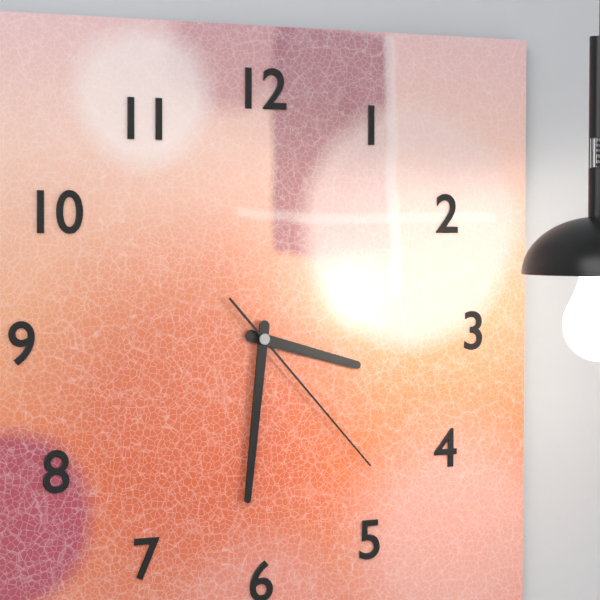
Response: 3:31:23
